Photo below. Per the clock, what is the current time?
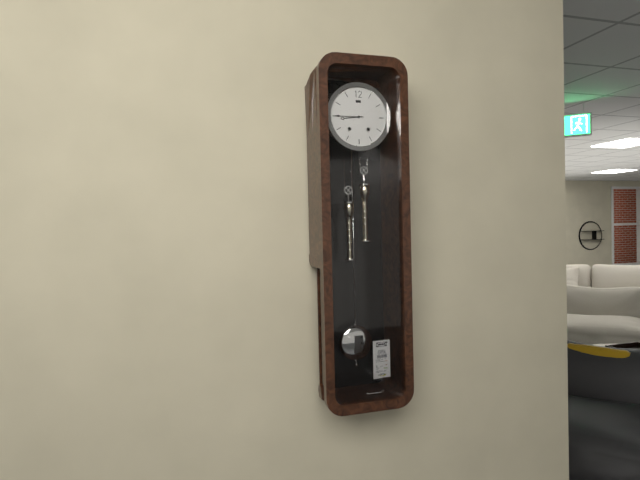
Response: 8:45
